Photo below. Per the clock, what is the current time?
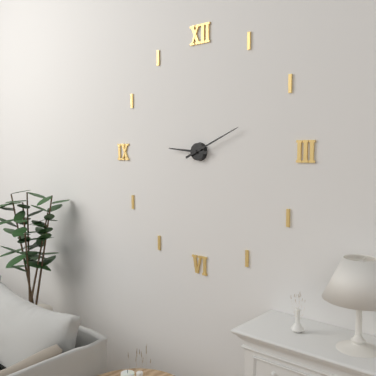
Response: 9:11
